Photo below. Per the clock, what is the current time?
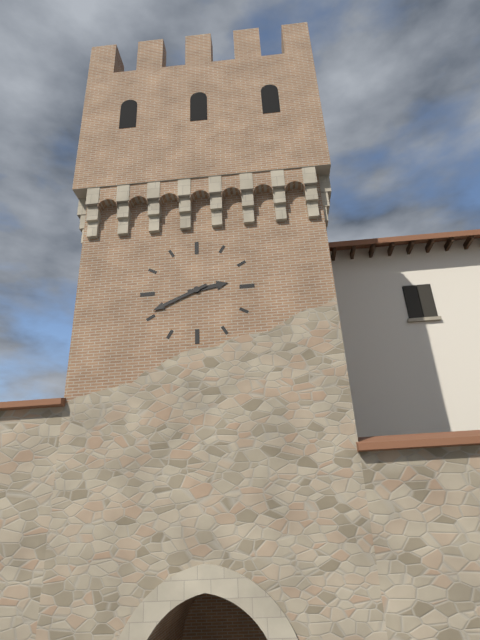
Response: 2:41
